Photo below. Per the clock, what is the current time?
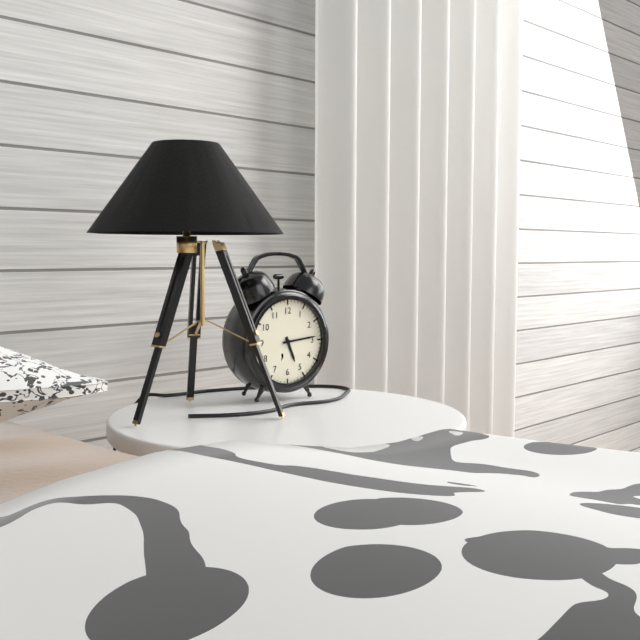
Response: 5:14
